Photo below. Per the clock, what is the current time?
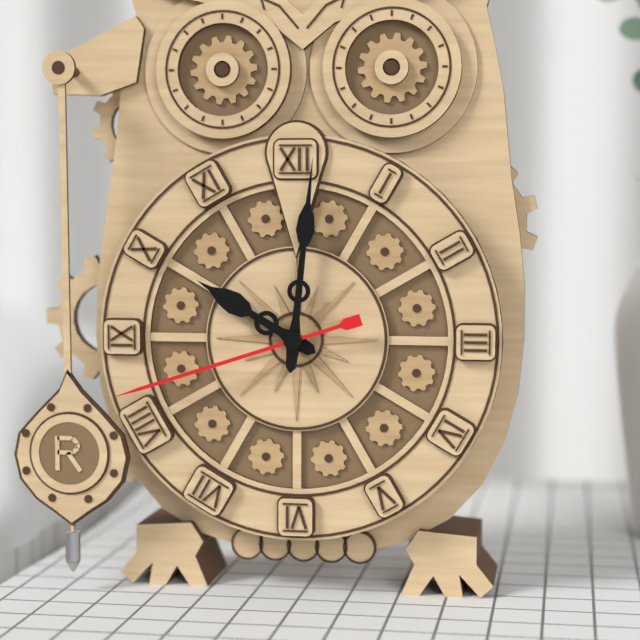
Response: 10:01:42
